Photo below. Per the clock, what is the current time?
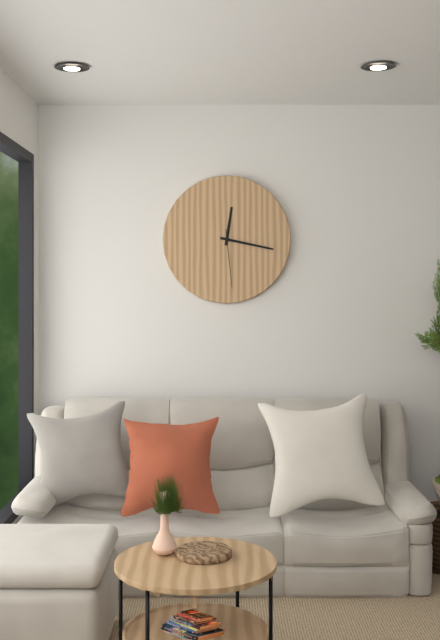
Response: 12:17:29
